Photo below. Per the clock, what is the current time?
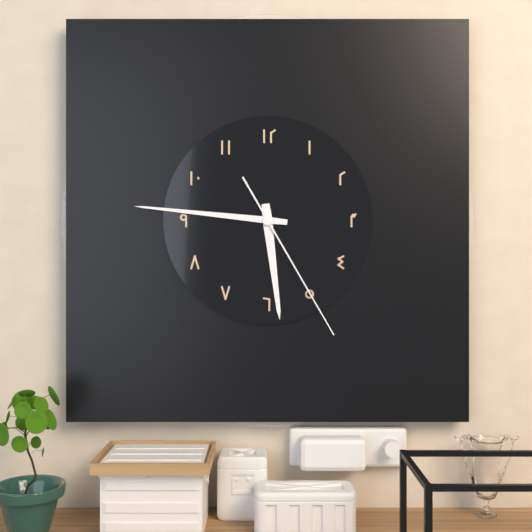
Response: 5:46:25
